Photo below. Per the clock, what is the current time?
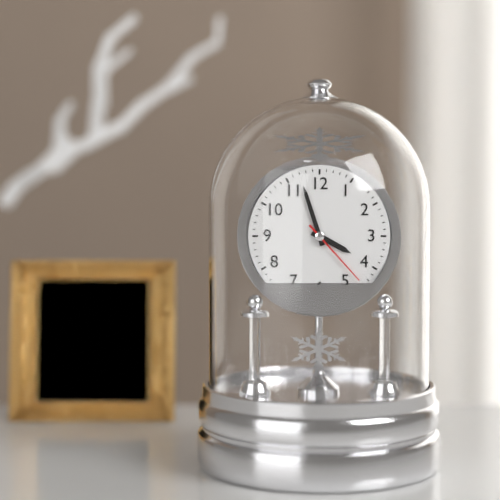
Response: 3:57:23
